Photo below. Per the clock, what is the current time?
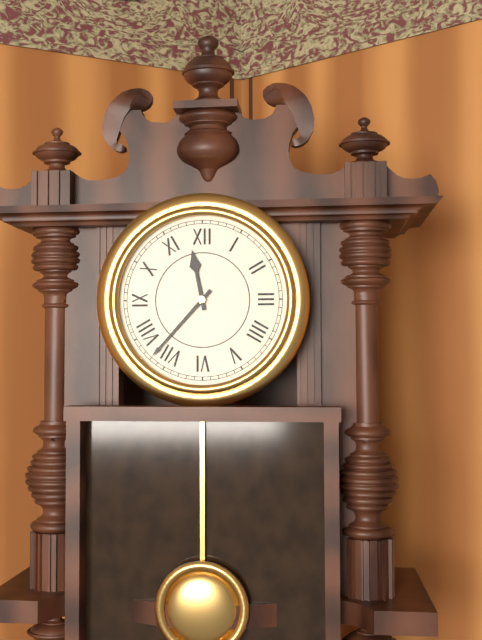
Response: 11:37
